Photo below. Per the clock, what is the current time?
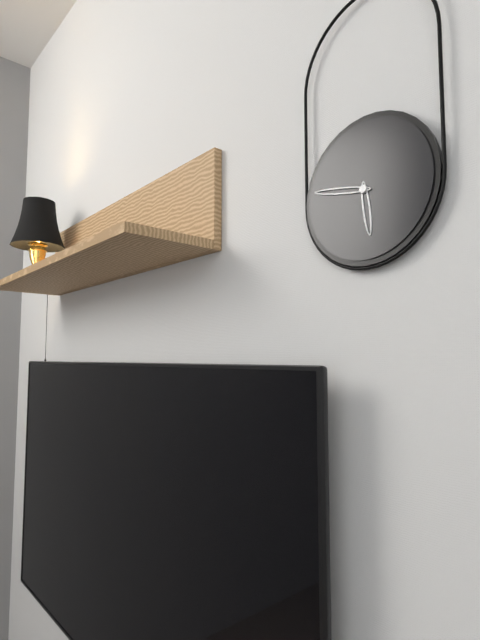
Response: 5:47
